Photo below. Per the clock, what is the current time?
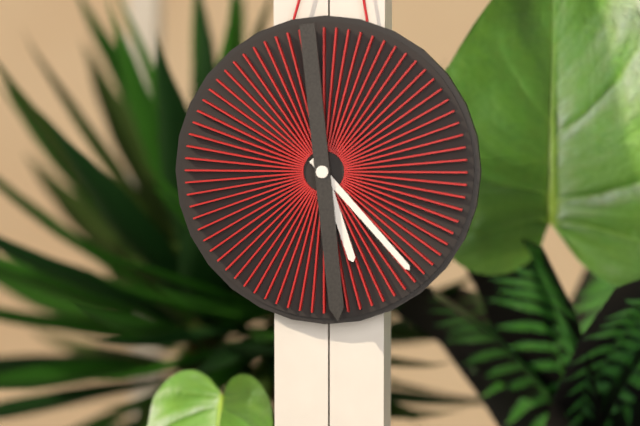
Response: 5:23:29
